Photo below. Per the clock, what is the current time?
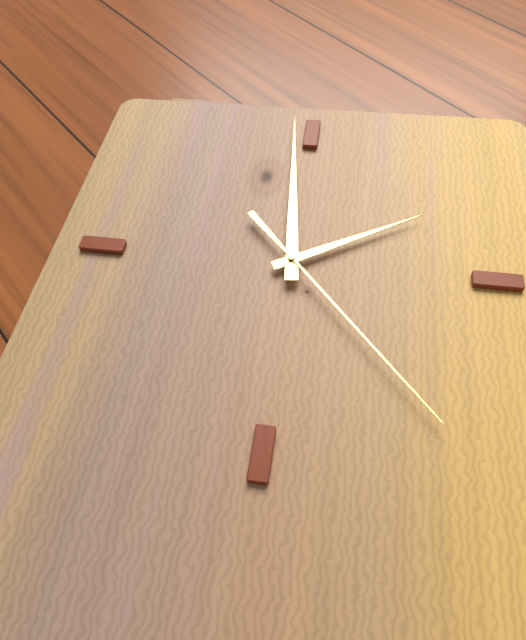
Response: 1:59:23
